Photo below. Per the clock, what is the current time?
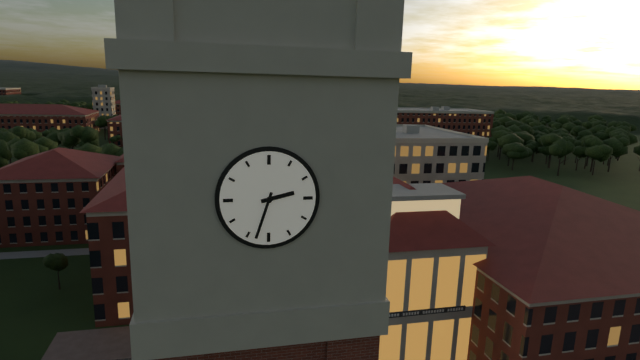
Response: 2:33
